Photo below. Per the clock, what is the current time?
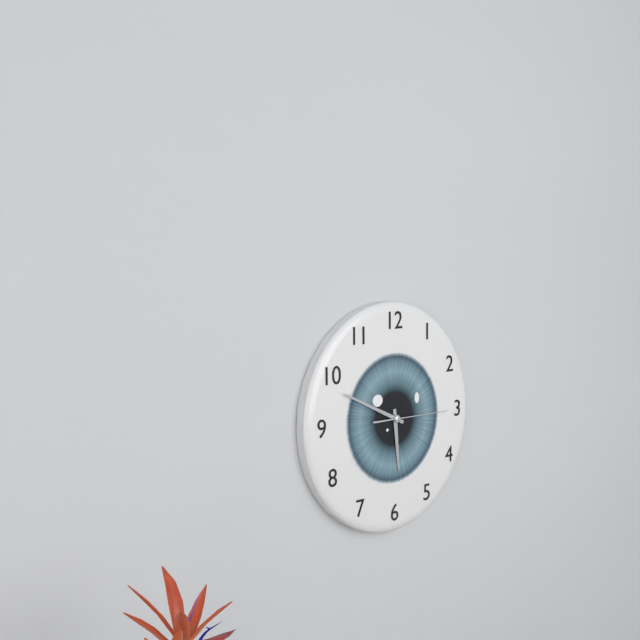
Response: 5:49:15
